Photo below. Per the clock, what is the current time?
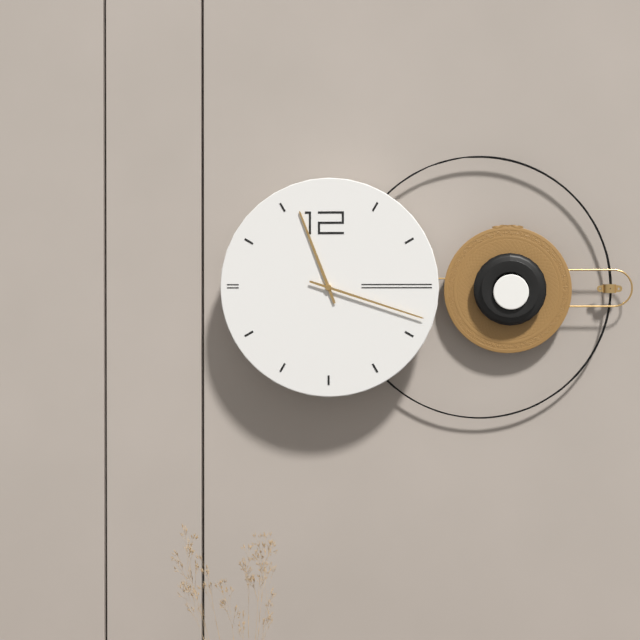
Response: 11:18
